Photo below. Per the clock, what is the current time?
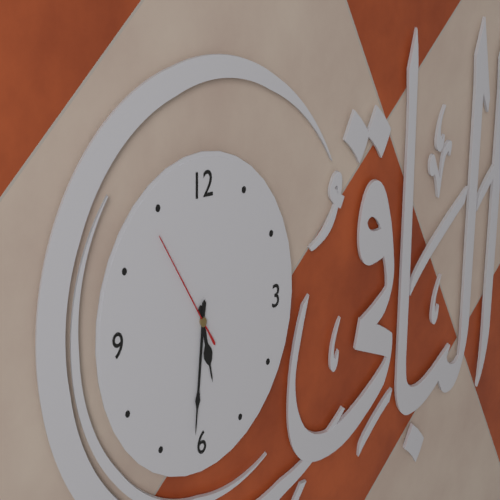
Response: 5:31:54
